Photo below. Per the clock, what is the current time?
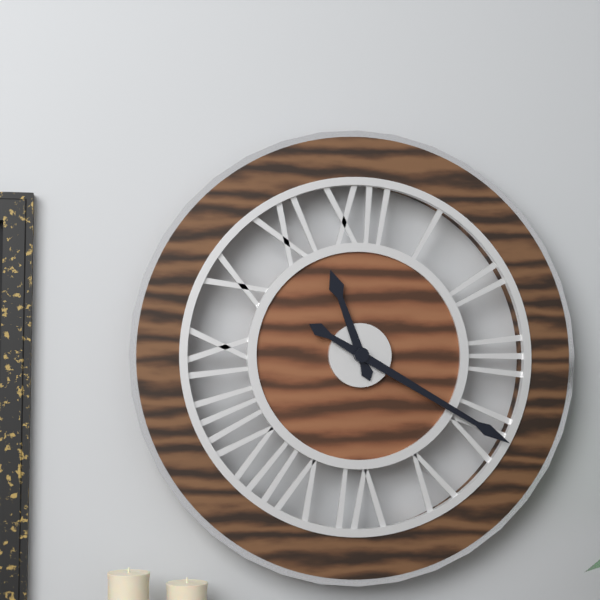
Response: 11:20
